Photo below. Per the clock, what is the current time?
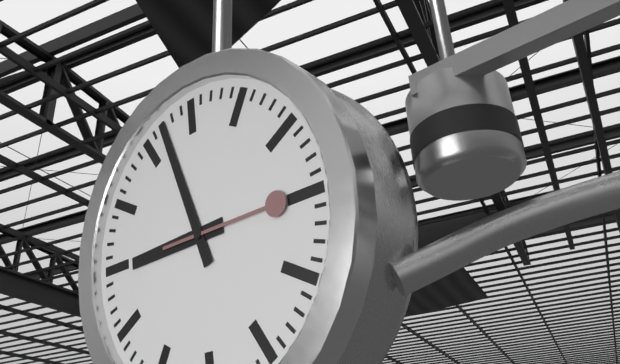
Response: 8:57:15
